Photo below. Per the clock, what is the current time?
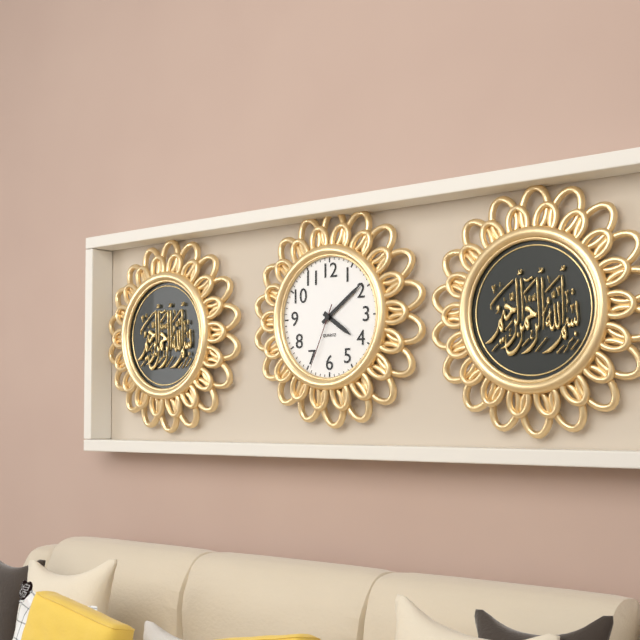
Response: 4:09:34
